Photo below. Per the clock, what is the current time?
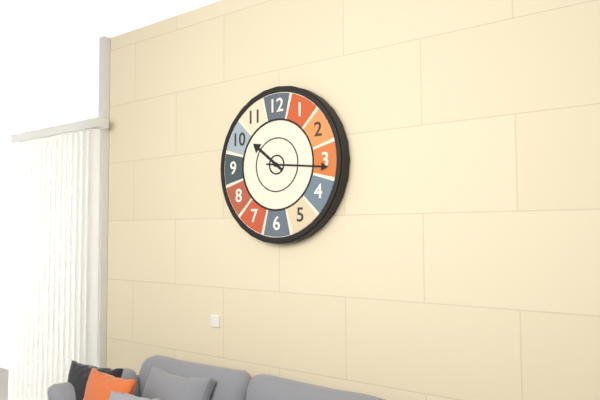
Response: 10:16
